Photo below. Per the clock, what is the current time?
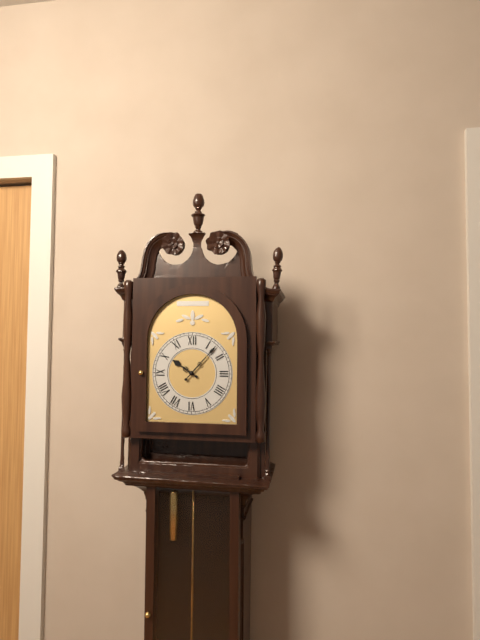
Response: 10:07
